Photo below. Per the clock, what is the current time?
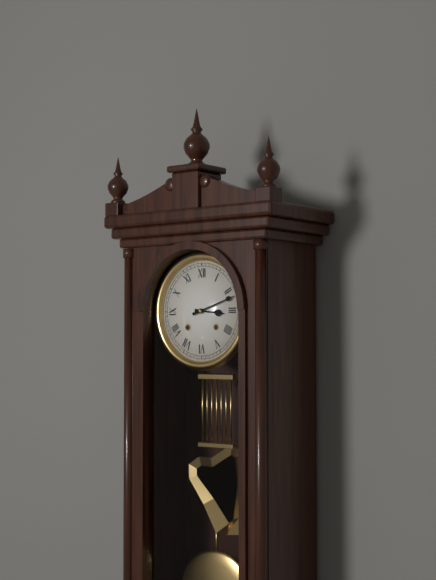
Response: 3:12
